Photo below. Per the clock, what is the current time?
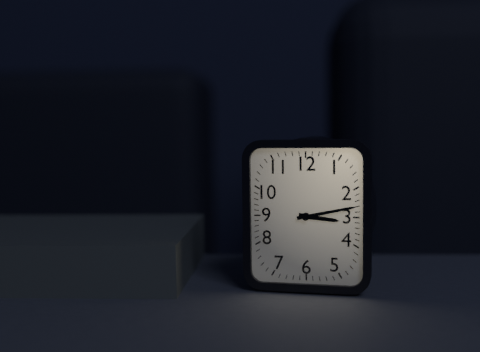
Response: 3:13
